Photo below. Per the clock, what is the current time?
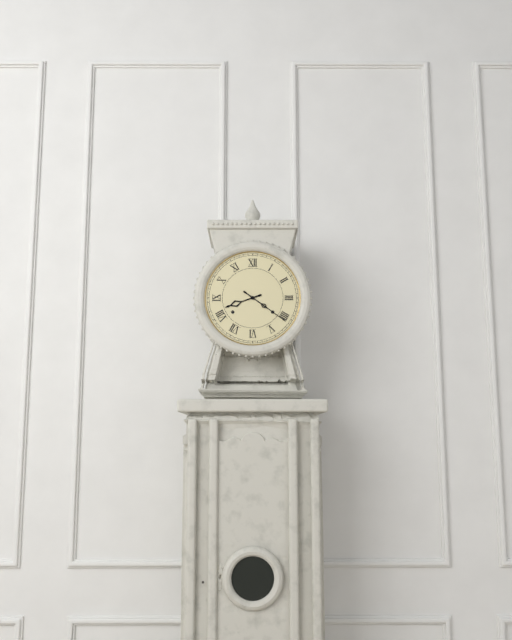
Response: 8:21
